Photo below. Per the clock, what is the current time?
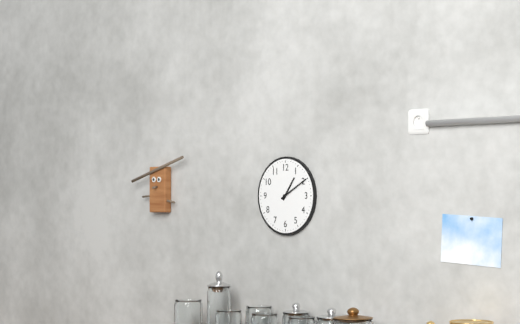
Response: 1:10
